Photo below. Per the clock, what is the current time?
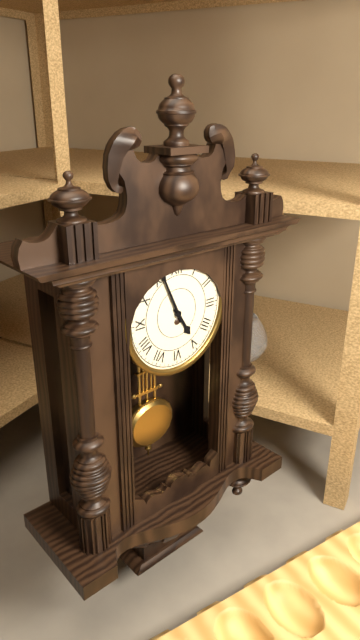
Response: 4:56
